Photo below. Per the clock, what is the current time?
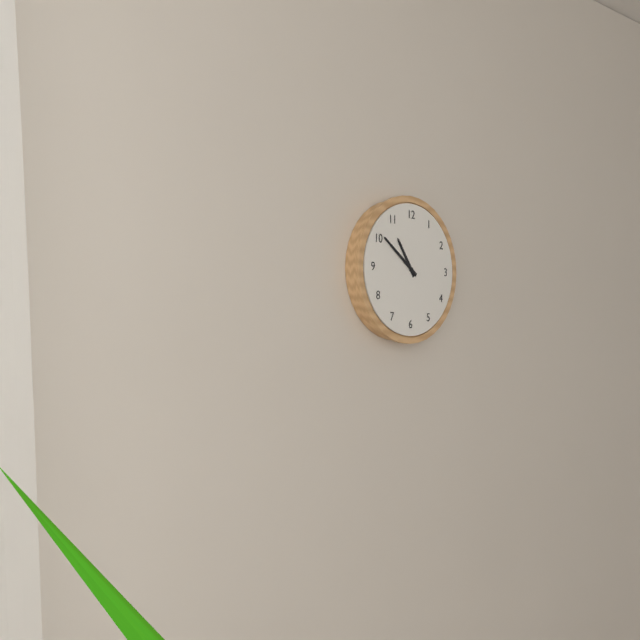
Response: 10:51
